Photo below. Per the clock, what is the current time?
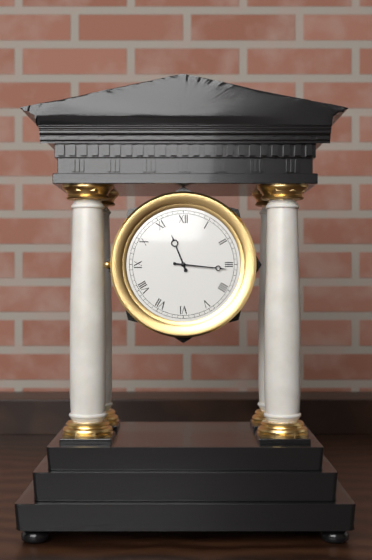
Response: 11:16
